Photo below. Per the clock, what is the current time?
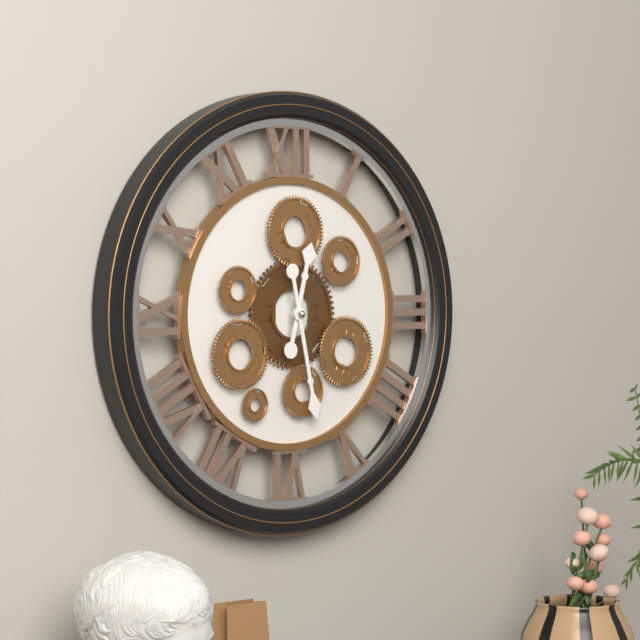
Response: 12:28
